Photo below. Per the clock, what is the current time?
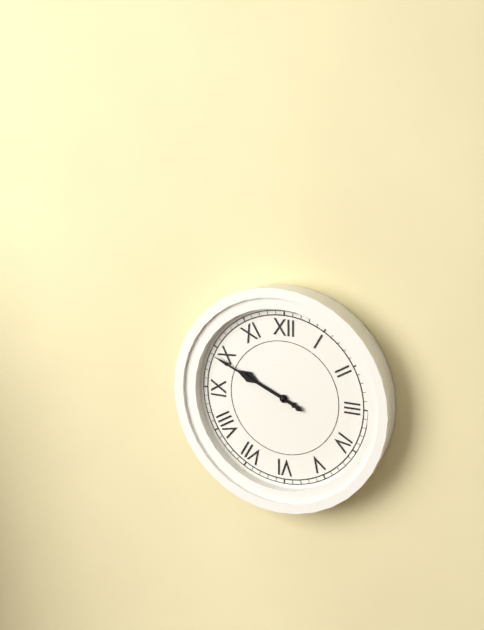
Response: 9:49
